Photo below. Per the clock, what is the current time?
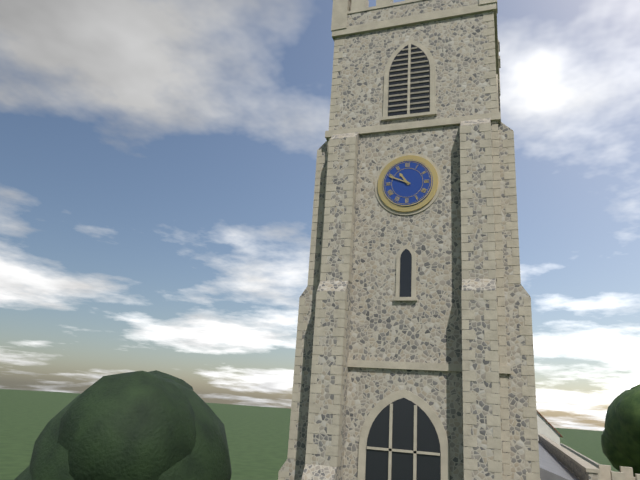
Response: 10:49
